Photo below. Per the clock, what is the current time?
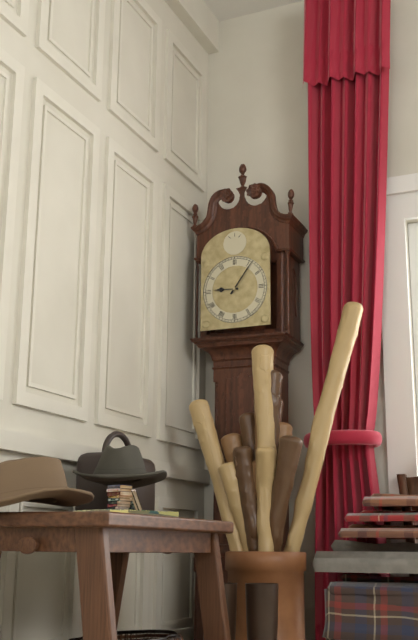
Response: 9:06
